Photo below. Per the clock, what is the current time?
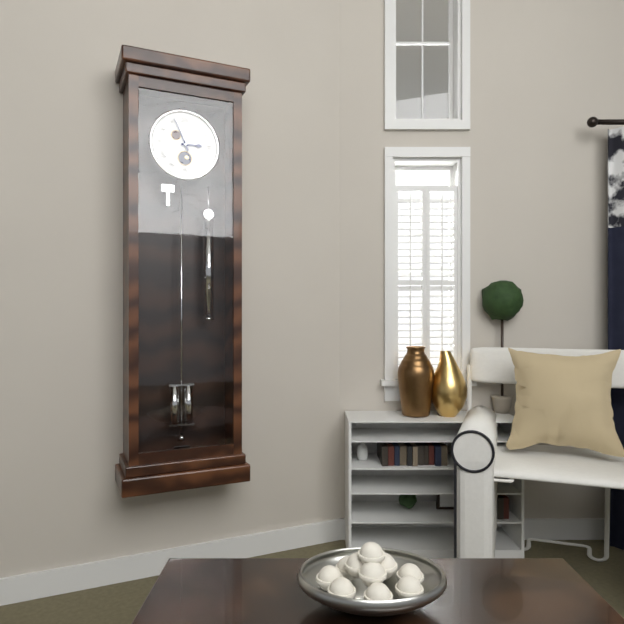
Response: 2:56
